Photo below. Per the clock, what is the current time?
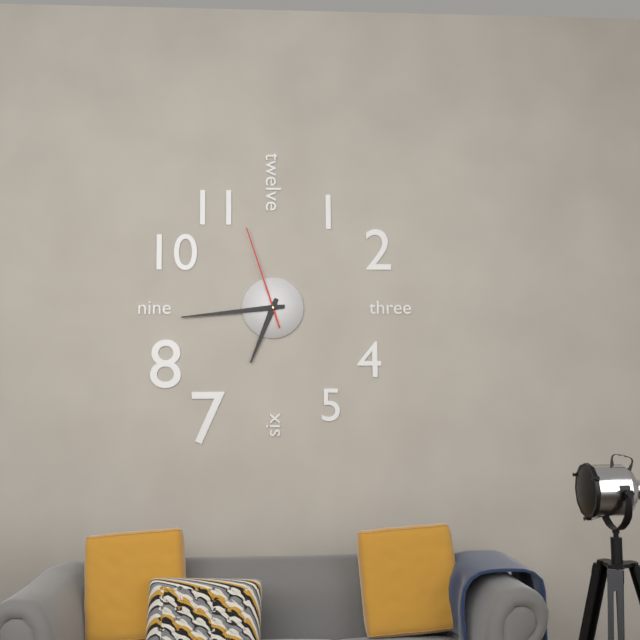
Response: 6:44:57
